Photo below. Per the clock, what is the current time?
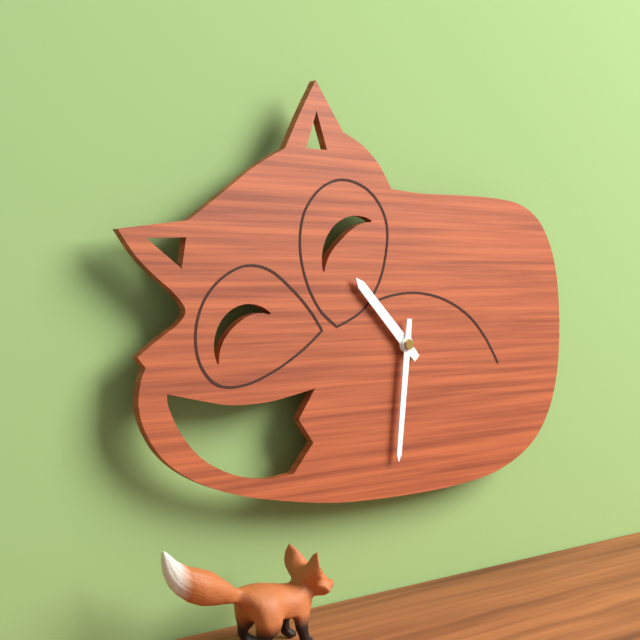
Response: 10:31
